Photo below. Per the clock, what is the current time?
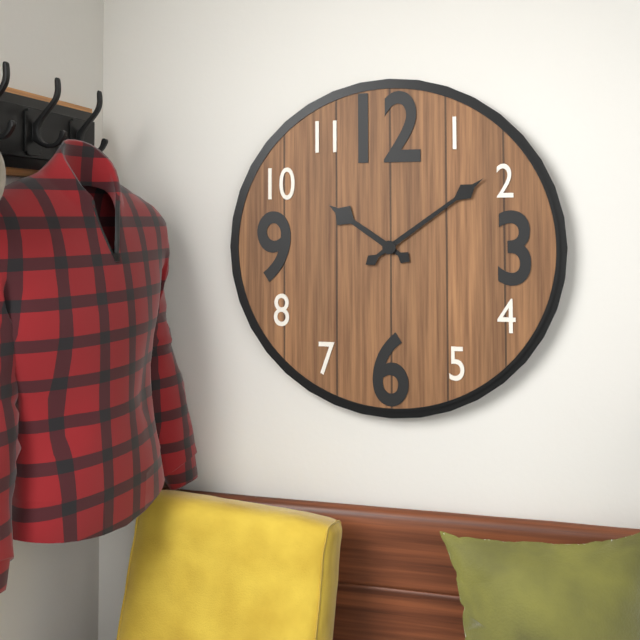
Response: 10:09
